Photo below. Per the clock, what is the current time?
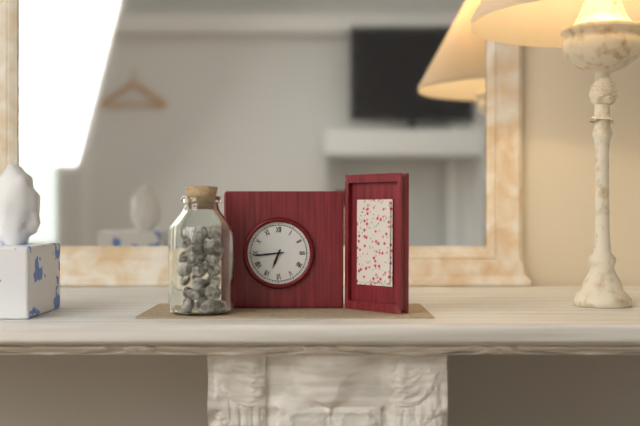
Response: 6:44
